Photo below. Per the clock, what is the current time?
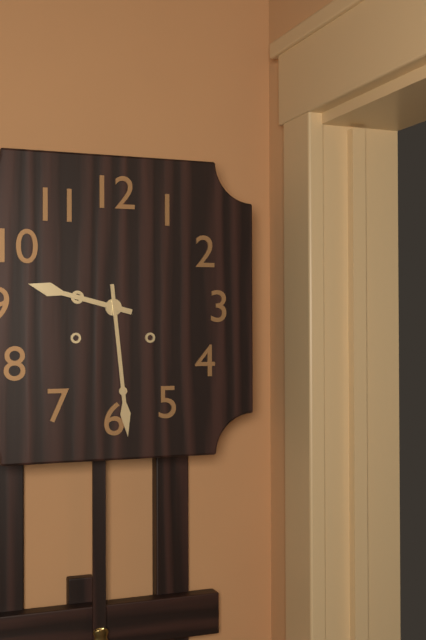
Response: 9:29
